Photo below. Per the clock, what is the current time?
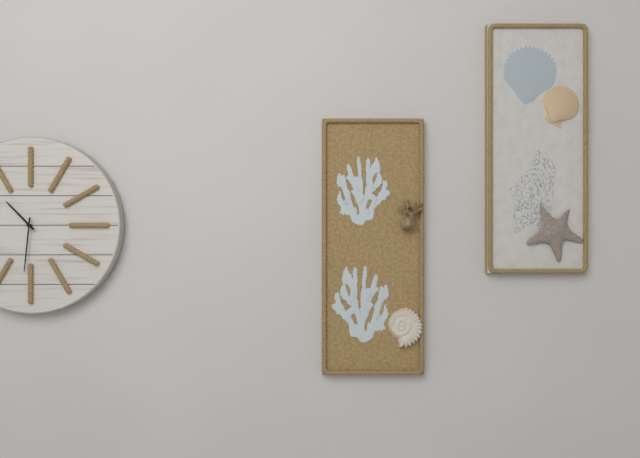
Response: 10:31
